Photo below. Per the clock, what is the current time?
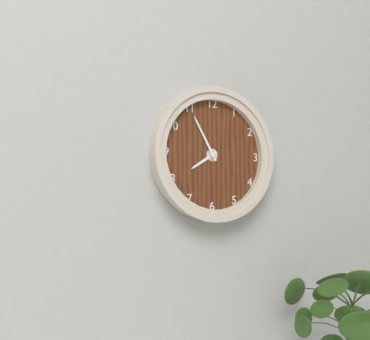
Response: 7:55
